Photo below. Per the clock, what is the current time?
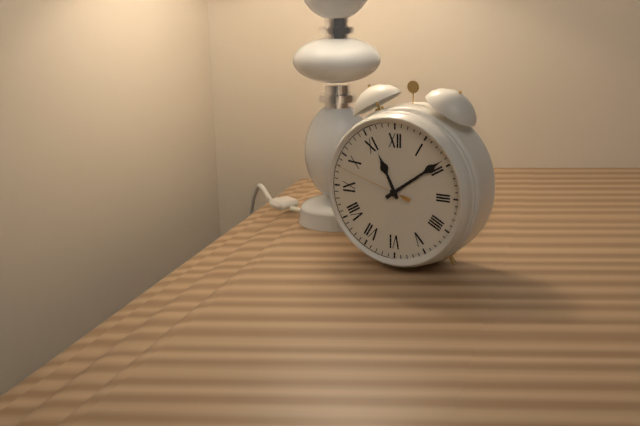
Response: 11:09:48
